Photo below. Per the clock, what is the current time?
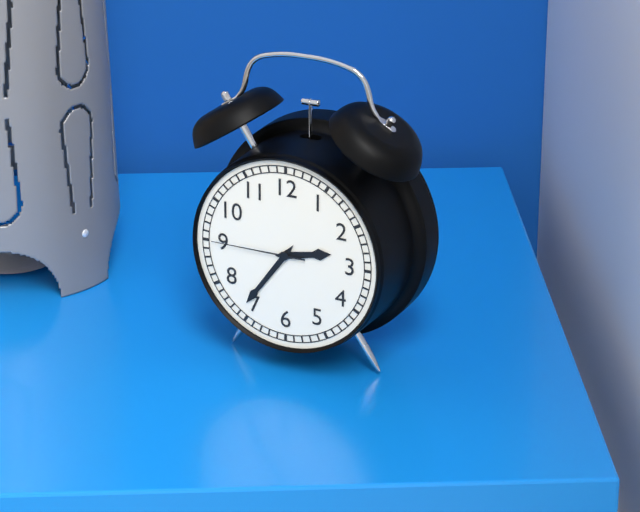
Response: 2:36:45
